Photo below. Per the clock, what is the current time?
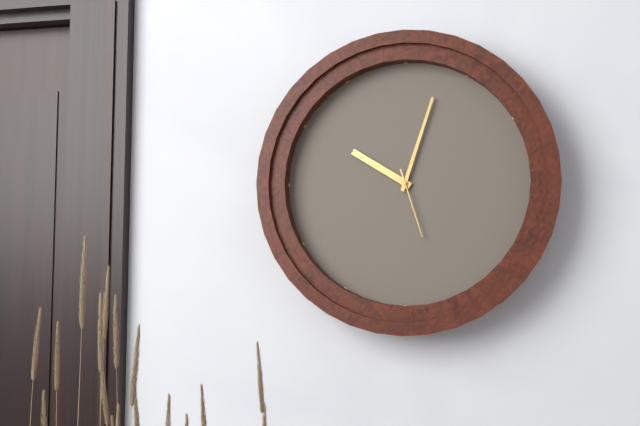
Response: 10:03:27
